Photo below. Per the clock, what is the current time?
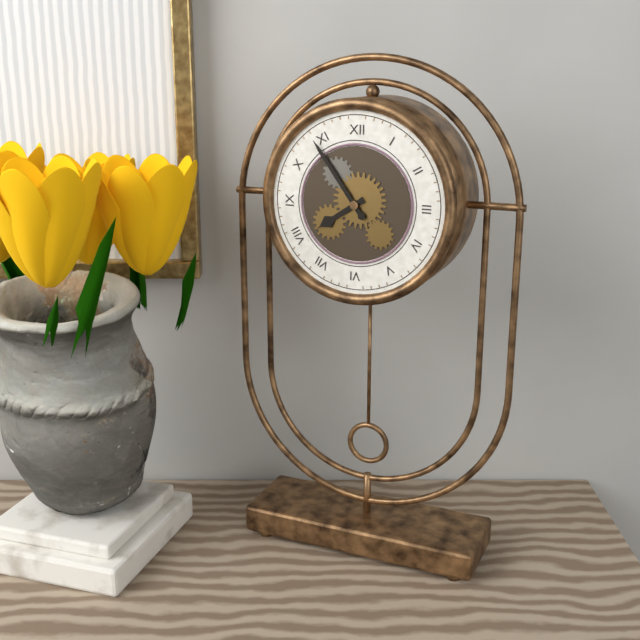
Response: 7:54
